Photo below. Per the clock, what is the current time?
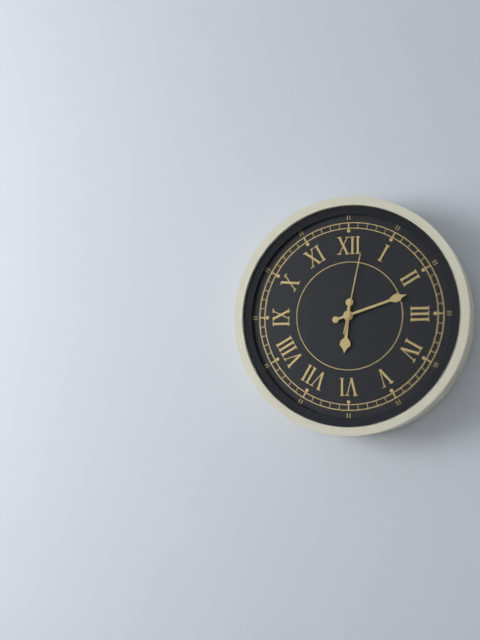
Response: 6:12:02
